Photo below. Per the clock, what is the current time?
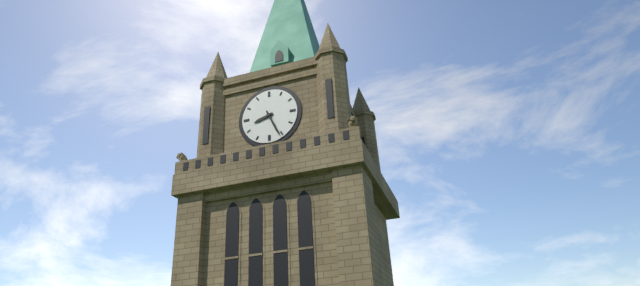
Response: 8:26
